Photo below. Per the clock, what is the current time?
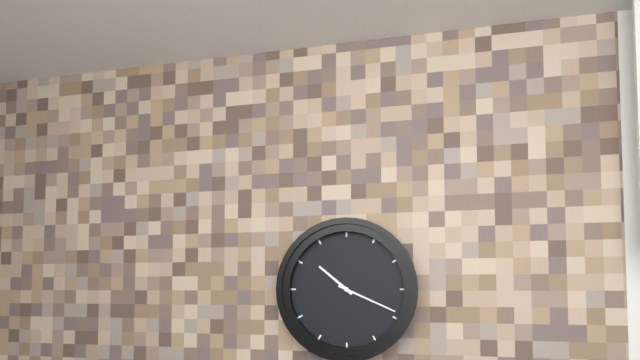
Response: 10:19
